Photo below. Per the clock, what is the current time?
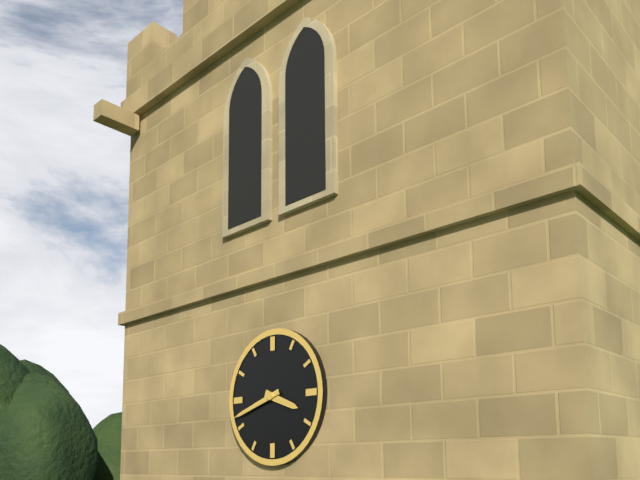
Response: 3:42
